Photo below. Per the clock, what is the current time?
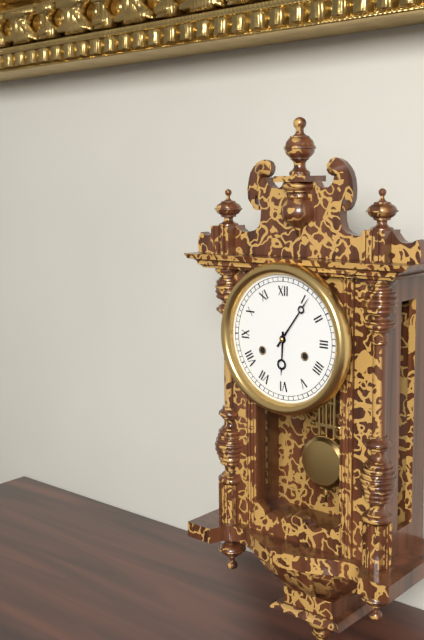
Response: 6:06
